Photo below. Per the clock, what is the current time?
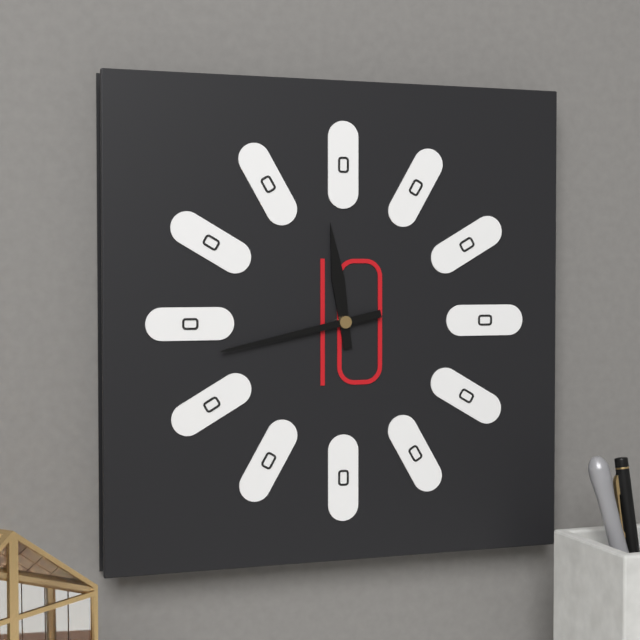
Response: 11:43
